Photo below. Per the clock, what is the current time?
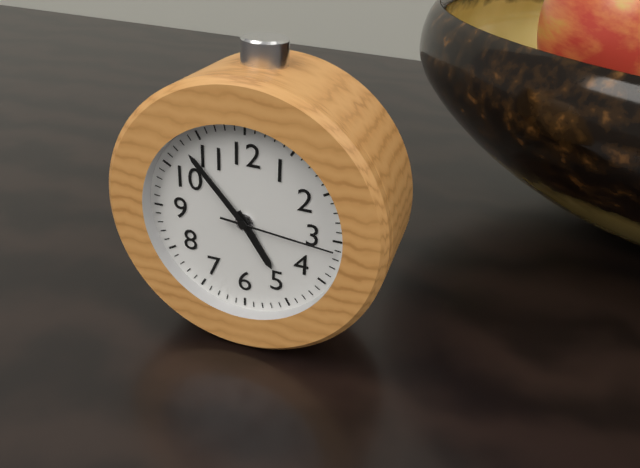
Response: 4:53:16
